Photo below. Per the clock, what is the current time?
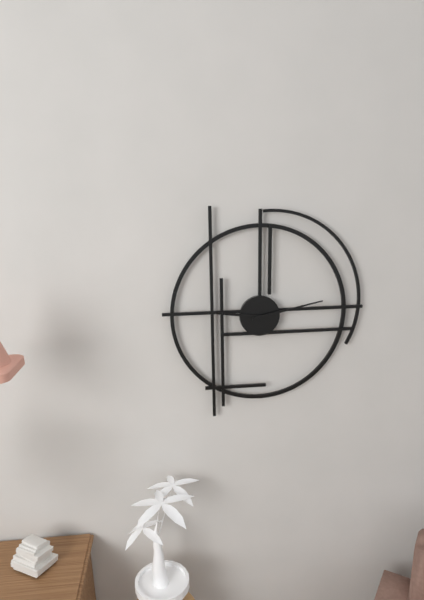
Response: 9:13
